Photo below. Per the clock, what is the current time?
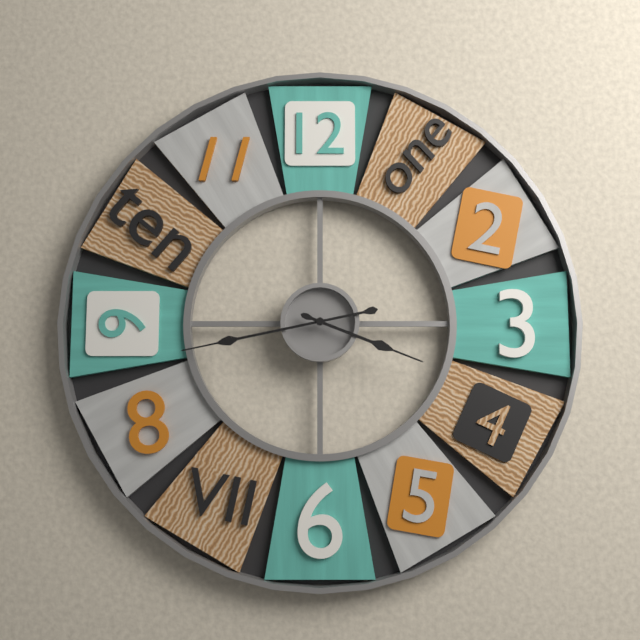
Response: 3:43
